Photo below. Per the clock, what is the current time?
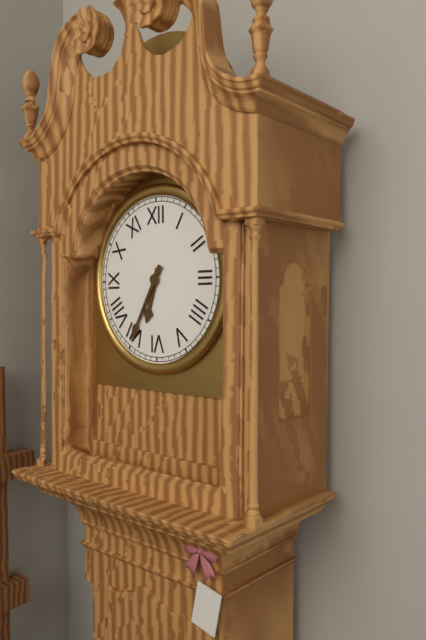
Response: 6:35
